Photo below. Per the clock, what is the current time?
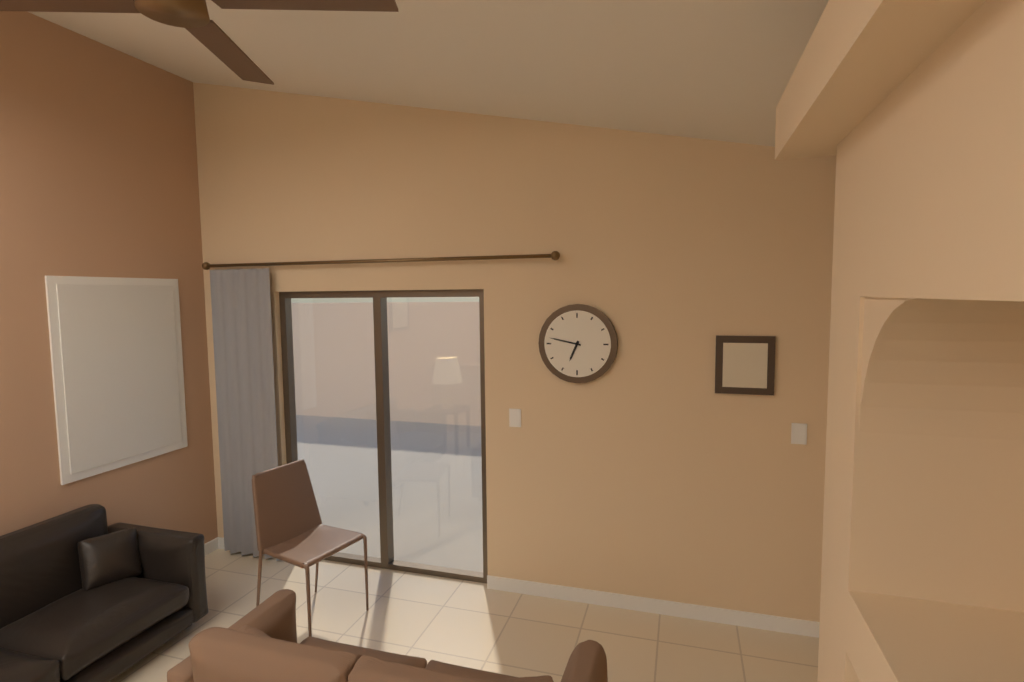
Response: 6:47
